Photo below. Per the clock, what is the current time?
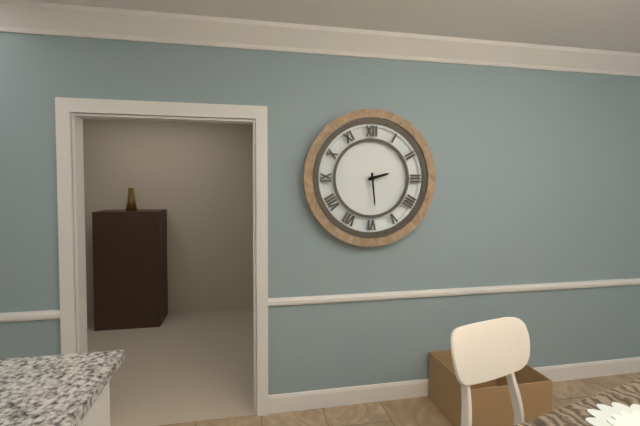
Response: 2:29
